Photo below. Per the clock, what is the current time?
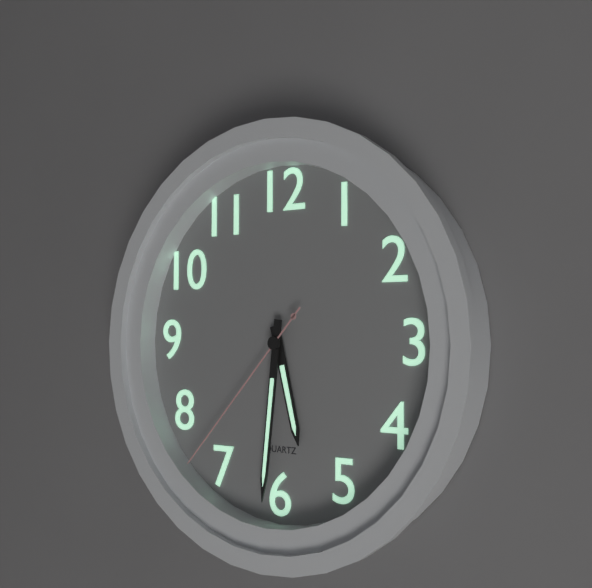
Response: 5:31:37
